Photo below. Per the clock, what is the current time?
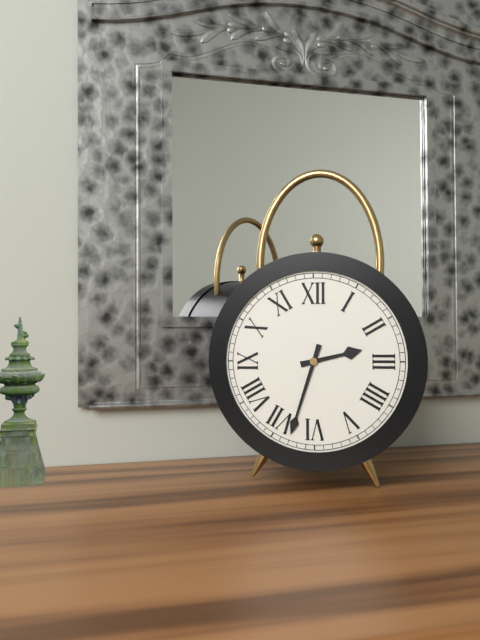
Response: 2:33
